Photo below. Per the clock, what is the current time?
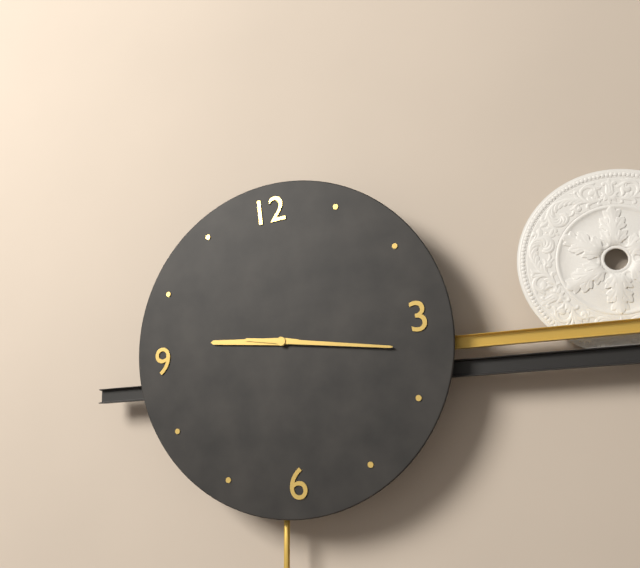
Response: 9:17
